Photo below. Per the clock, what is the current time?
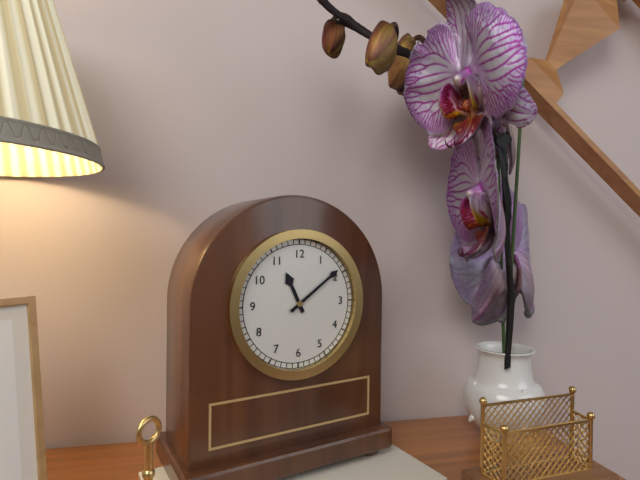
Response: 11:09
